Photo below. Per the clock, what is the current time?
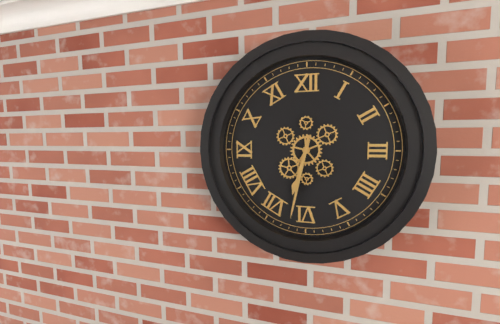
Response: 6:32
